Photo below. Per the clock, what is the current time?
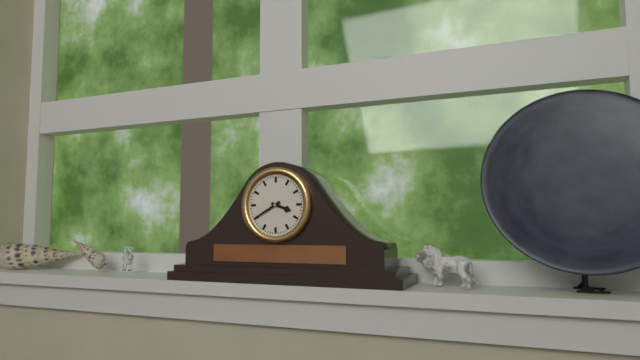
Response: 3:40
